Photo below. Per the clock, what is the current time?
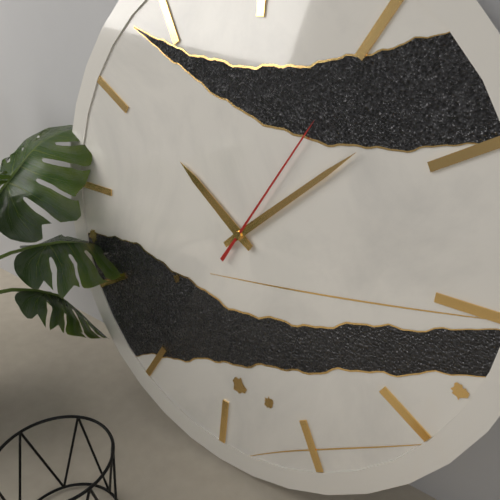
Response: 10:08:05
